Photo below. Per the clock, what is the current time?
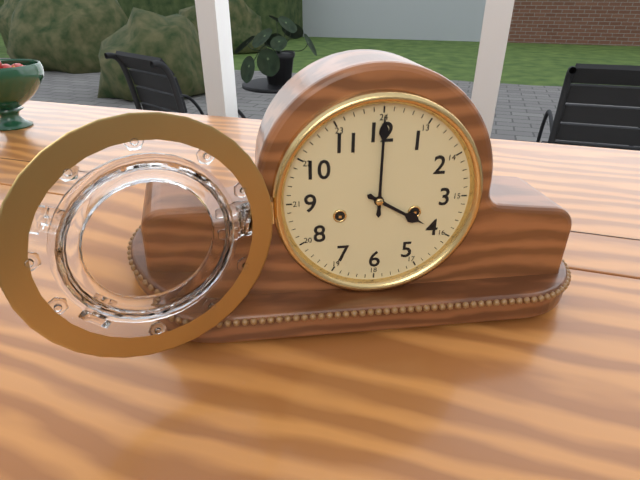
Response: 4:00
